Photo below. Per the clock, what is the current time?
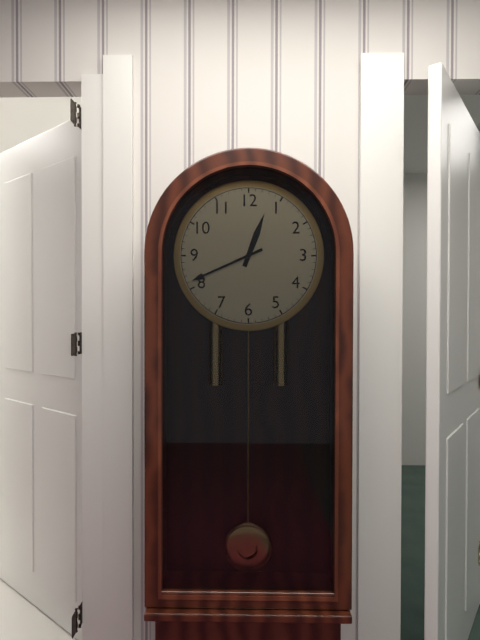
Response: 12:41
